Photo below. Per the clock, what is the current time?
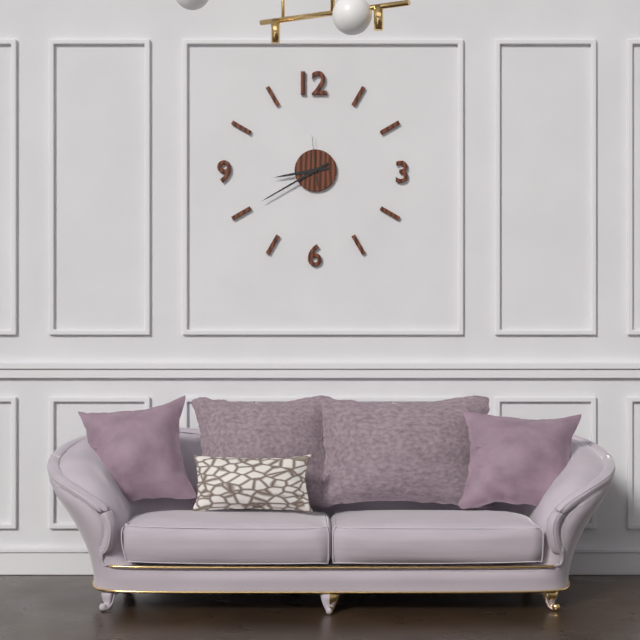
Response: 8:40
